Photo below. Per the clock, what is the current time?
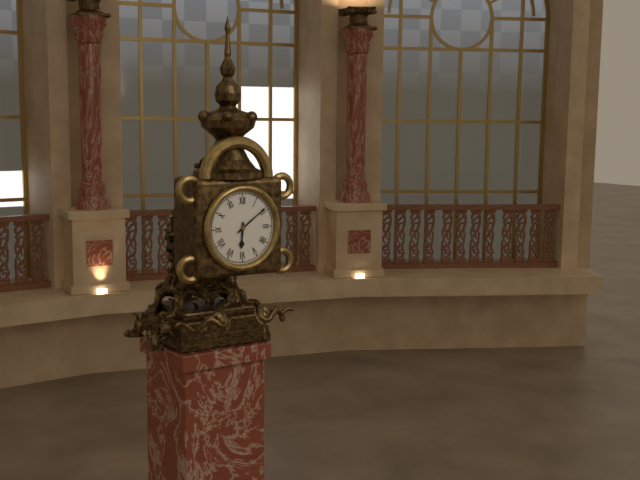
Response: 6:09
